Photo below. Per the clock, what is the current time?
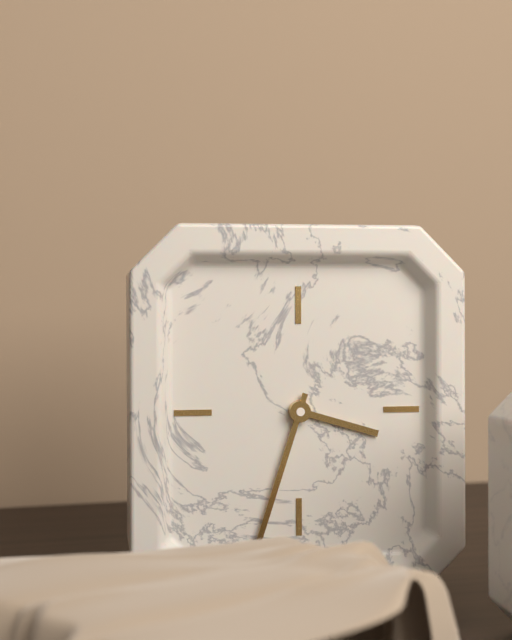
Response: 3:33
